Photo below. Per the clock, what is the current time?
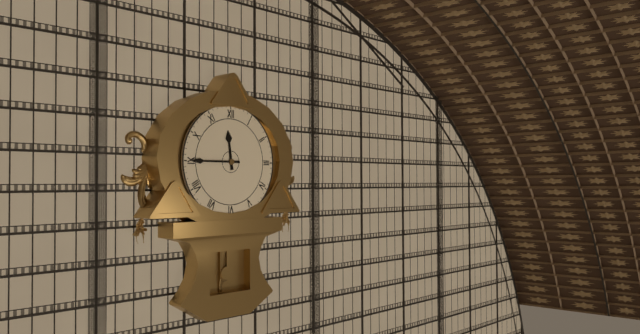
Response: 11:45
